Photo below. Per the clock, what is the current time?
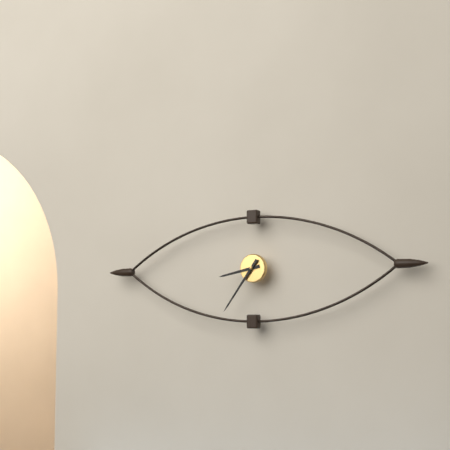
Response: 8:36
